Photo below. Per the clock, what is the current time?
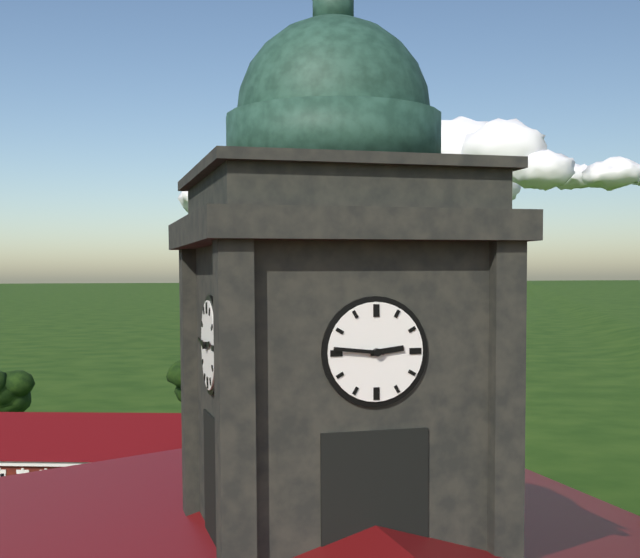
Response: 2:46
